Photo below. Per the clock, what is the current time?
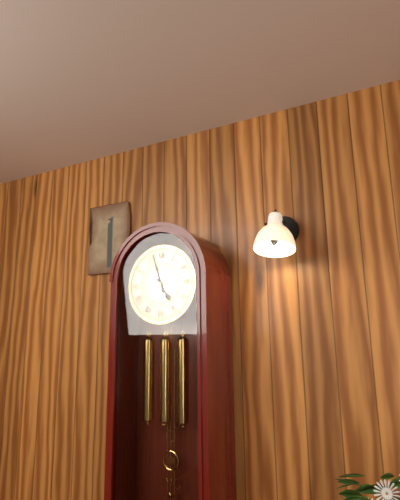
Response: 4:57
